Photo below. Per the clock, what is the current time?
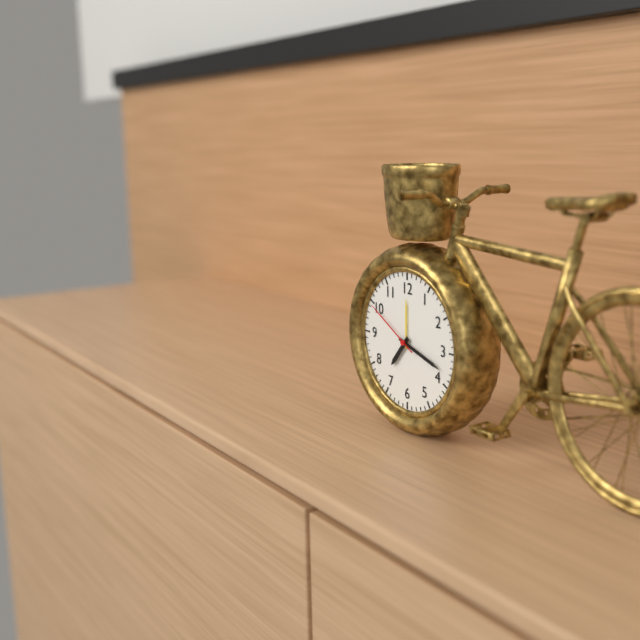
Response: 7:18:50
